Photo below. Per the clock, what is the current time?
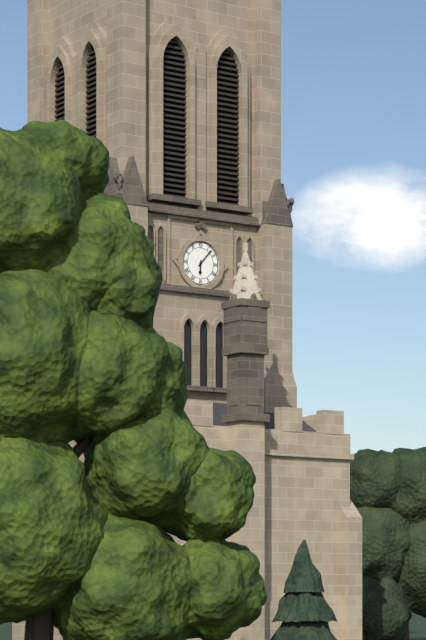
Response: 6:07
